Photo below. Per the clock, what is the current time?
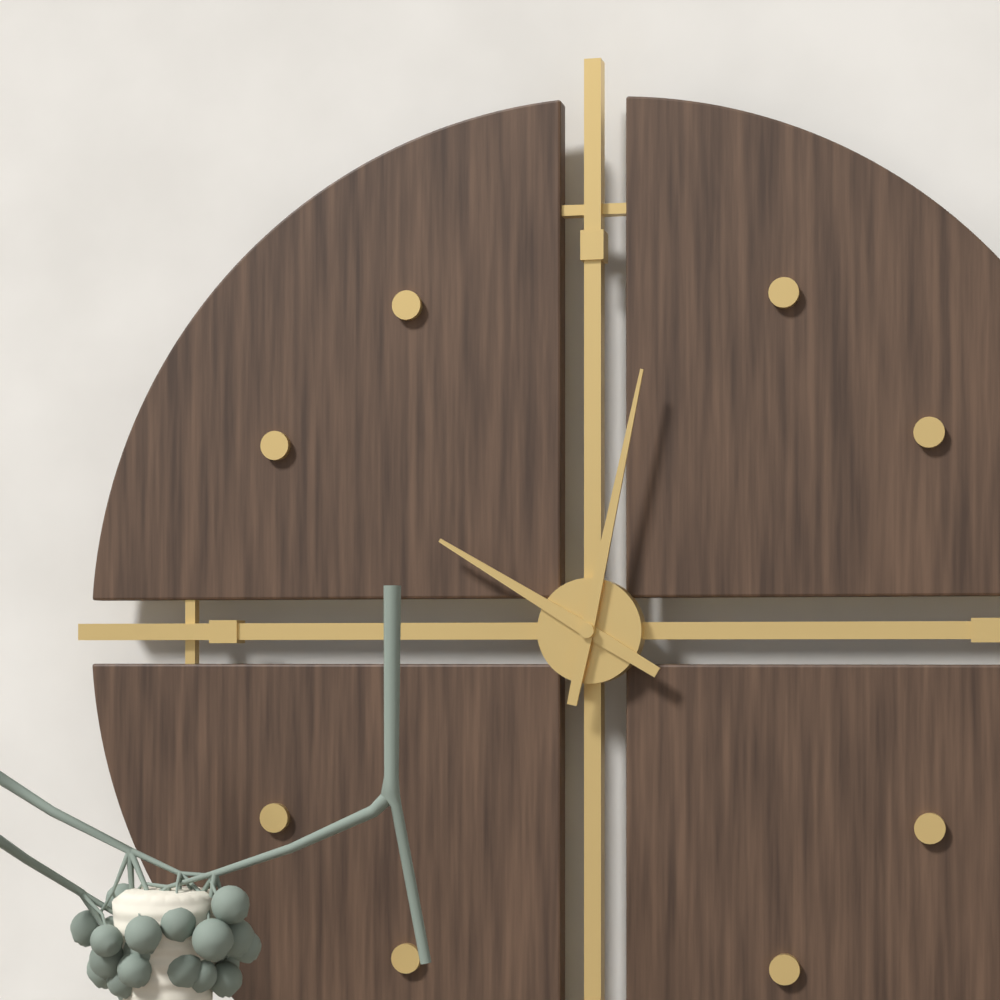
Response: 10:02
